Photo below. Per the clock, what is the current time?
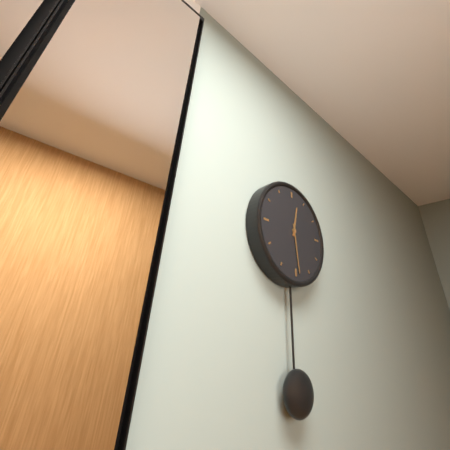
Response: 12:29
